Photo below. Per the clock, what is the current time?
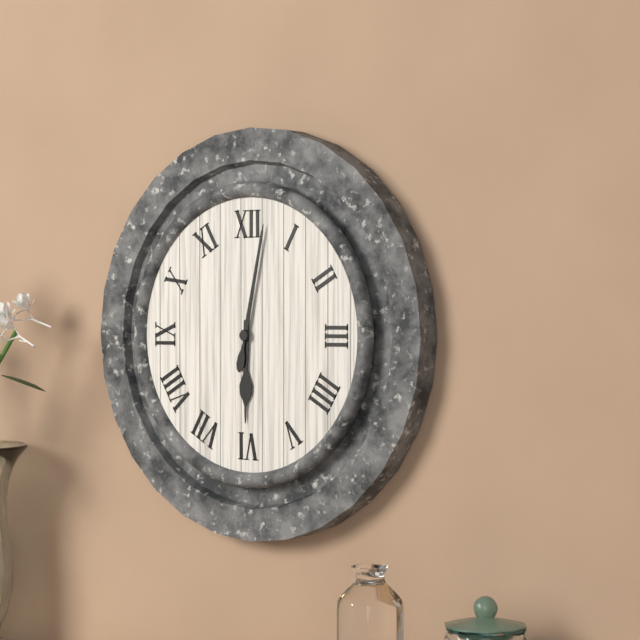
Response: 6:02
